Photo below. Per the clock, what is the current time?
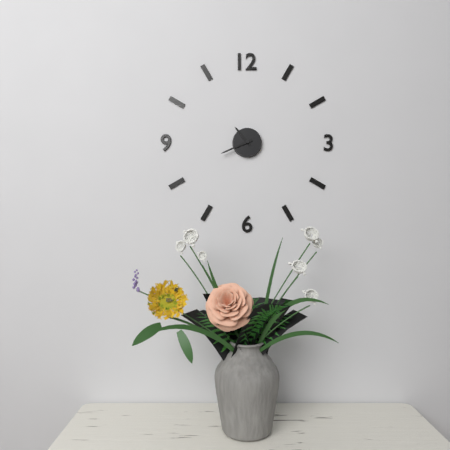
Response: 10:41
